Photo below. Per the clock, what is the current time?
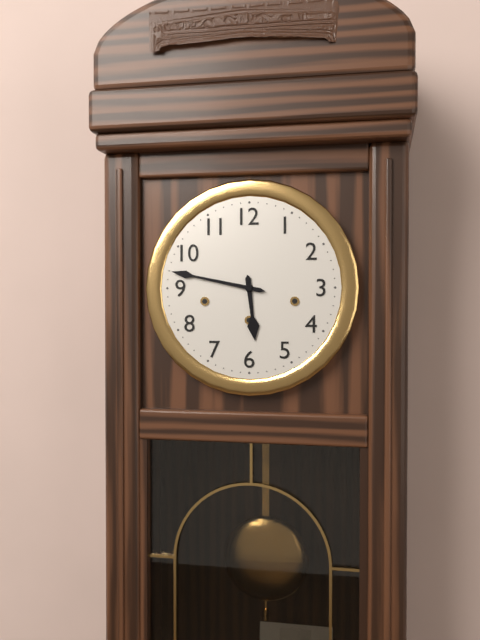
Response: 5:47
